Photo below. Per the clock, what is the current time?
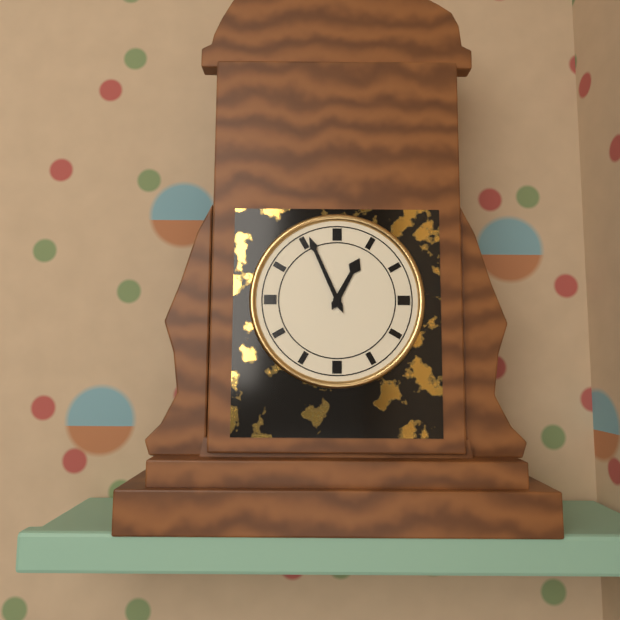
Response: 12:56
